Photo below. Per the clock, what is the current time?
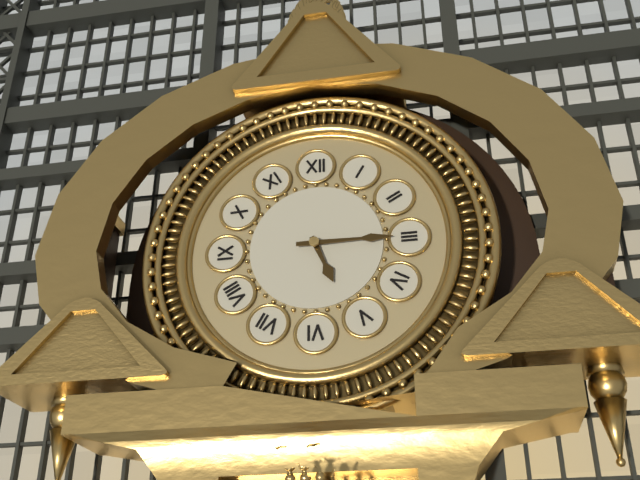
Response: 5:15
